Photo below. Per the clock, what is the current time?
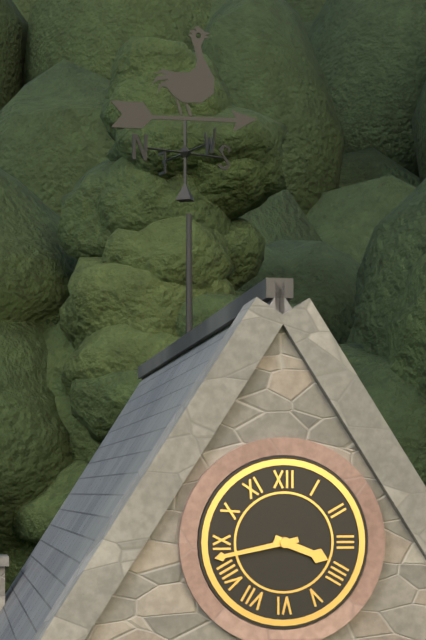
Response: 3:43
